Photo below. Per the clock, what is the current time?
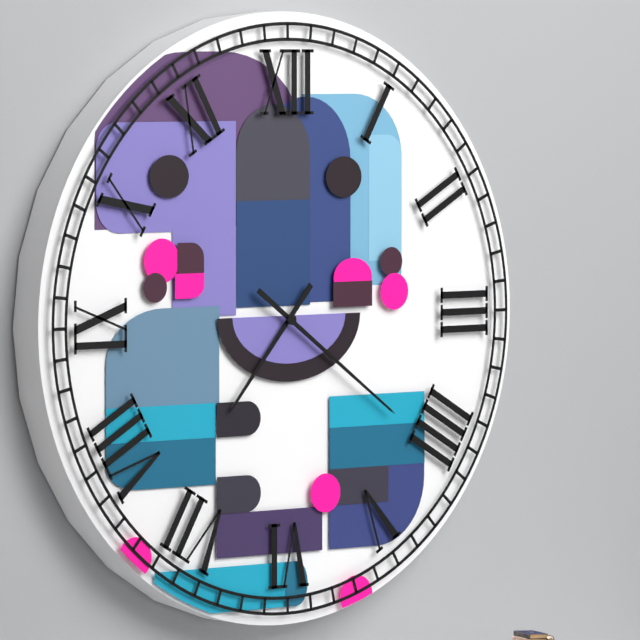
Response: 7:21
